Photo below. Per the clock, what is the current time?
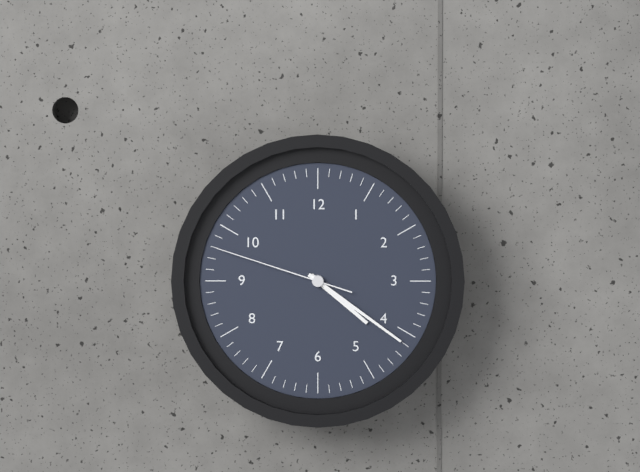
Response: 4:21:48
